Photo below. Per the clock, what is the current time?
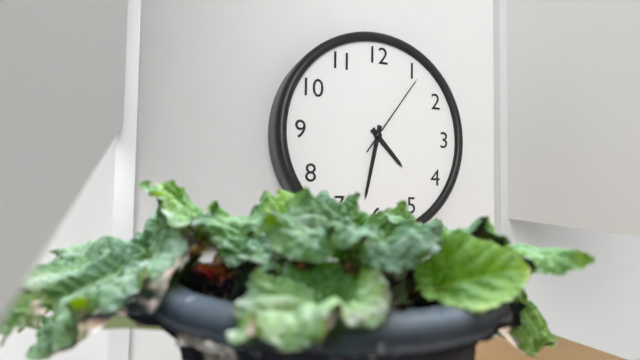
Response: 4:32:06
